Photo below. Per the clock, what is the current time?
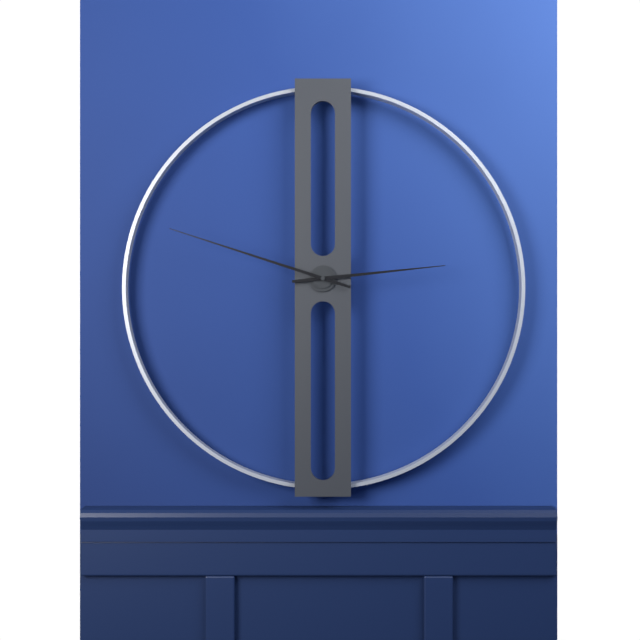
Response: 2:48
